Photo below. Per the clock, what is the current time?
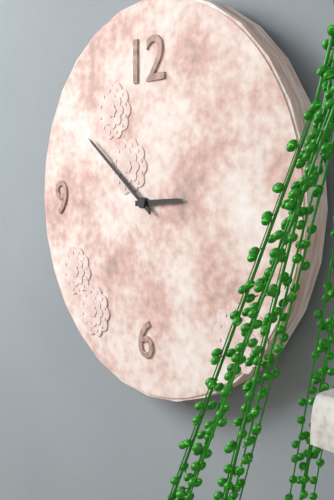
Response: 2:51
